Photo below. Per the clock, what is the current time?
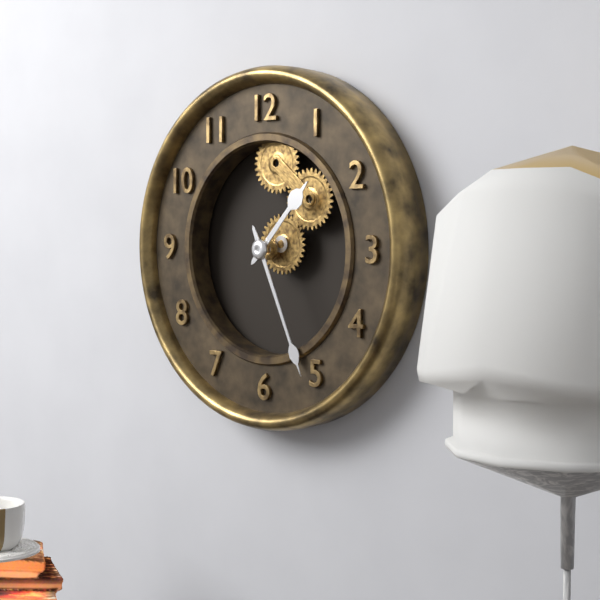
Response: 1:26
